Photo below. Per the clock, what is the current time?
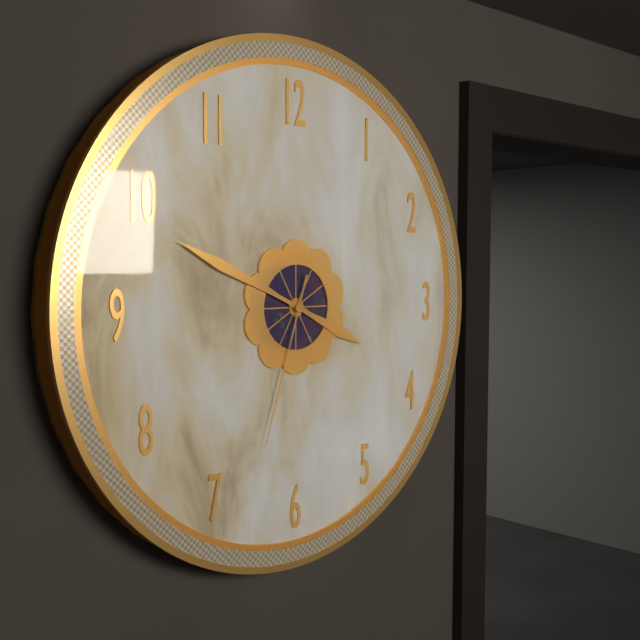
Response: 3:49:33
